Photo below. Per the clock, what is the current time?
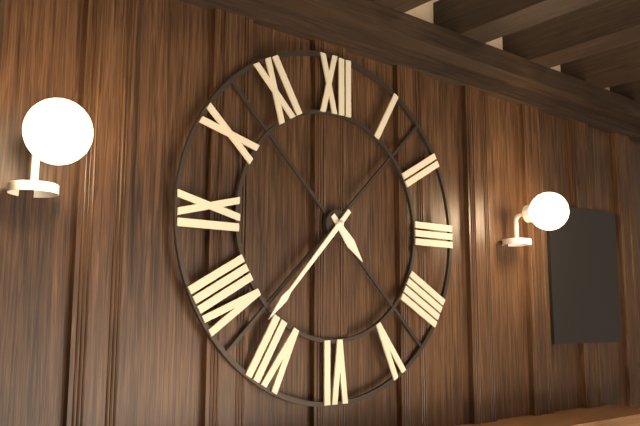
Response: 4:37
